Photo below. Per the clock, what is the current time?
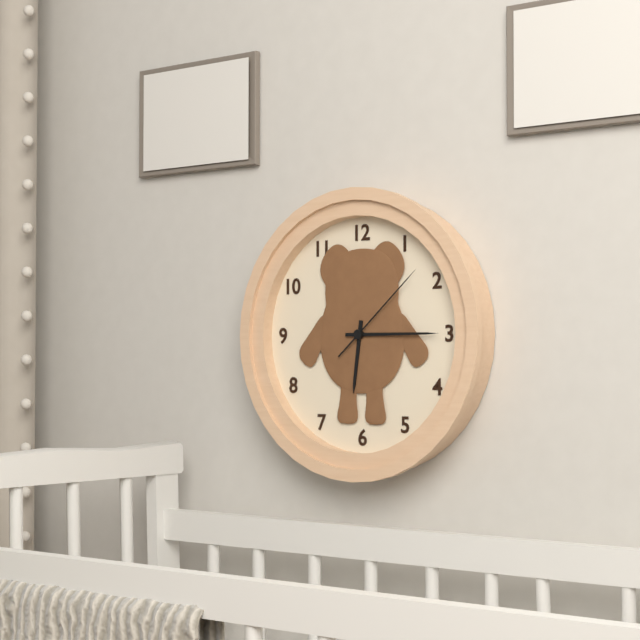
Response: 6:15:08
